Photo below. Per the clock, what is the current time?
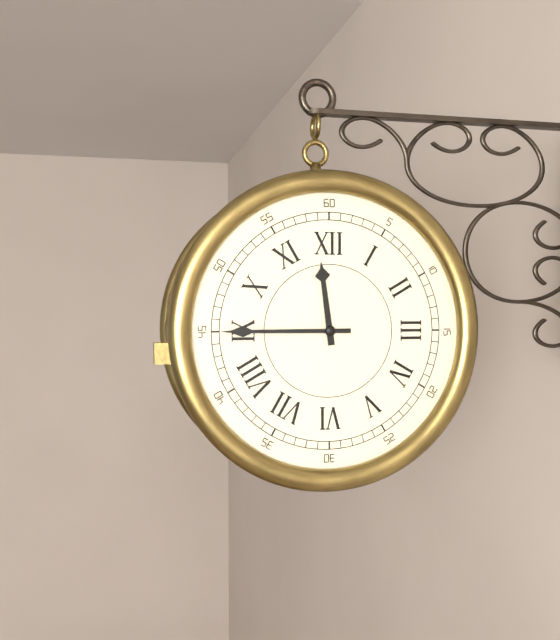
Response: 11:45
